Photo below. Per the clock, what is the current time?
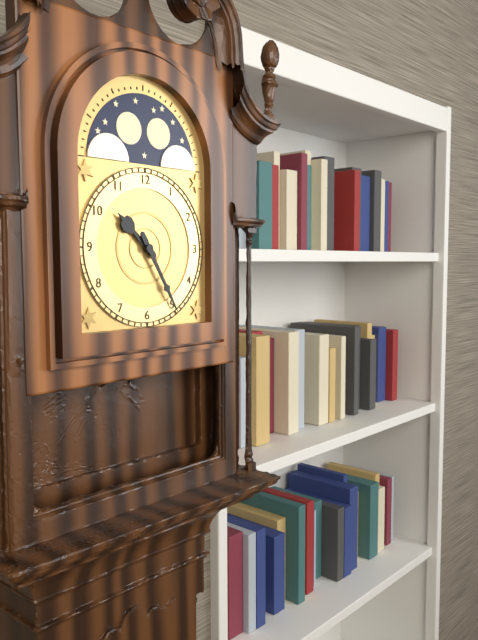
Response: 10:25
